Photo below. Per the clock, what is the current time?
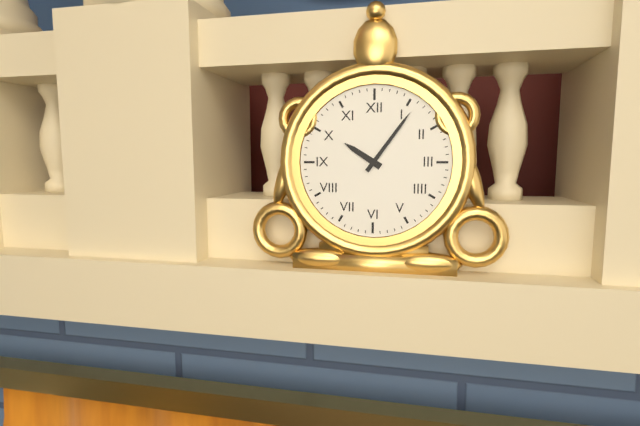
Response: 10:06
